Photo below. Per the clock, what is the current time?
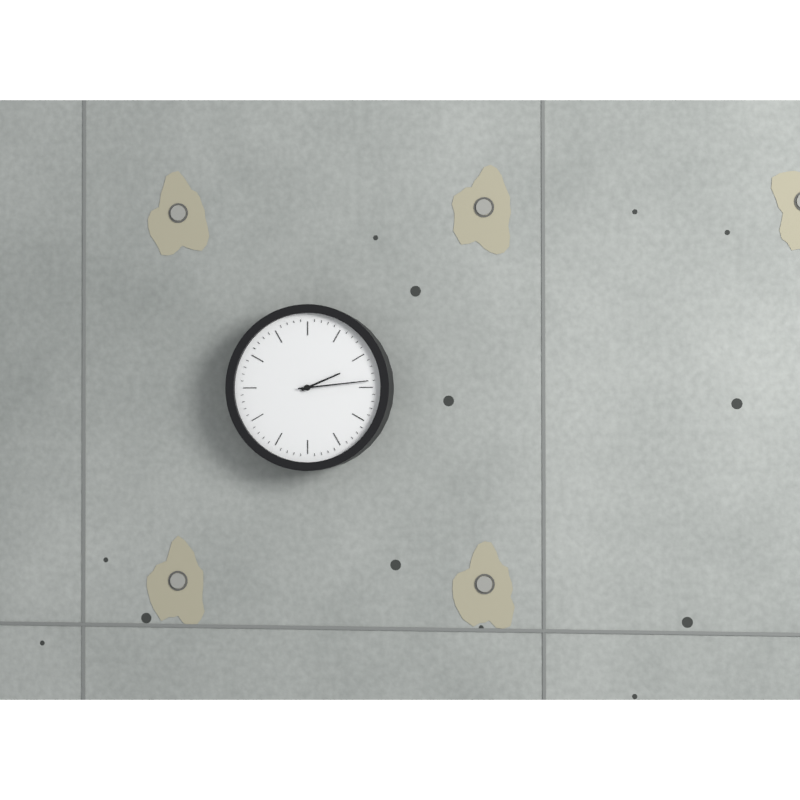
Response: 2:14
